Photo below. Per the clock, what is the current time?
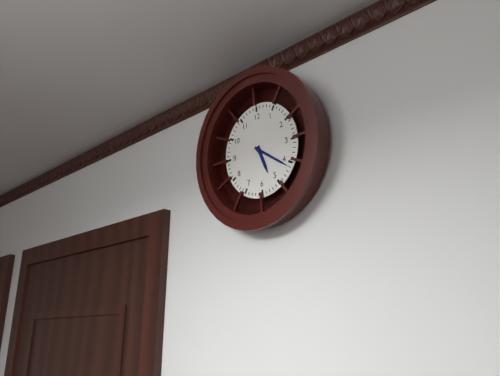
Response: 5:21
